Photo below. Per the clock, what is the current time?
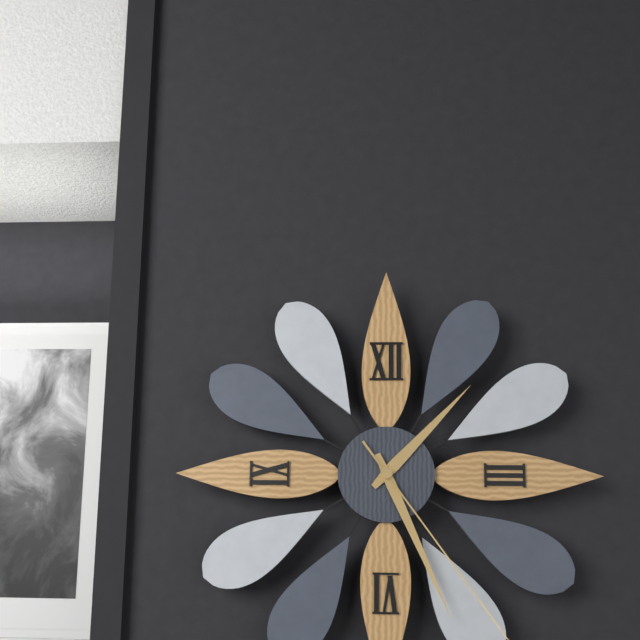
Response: 1:26
